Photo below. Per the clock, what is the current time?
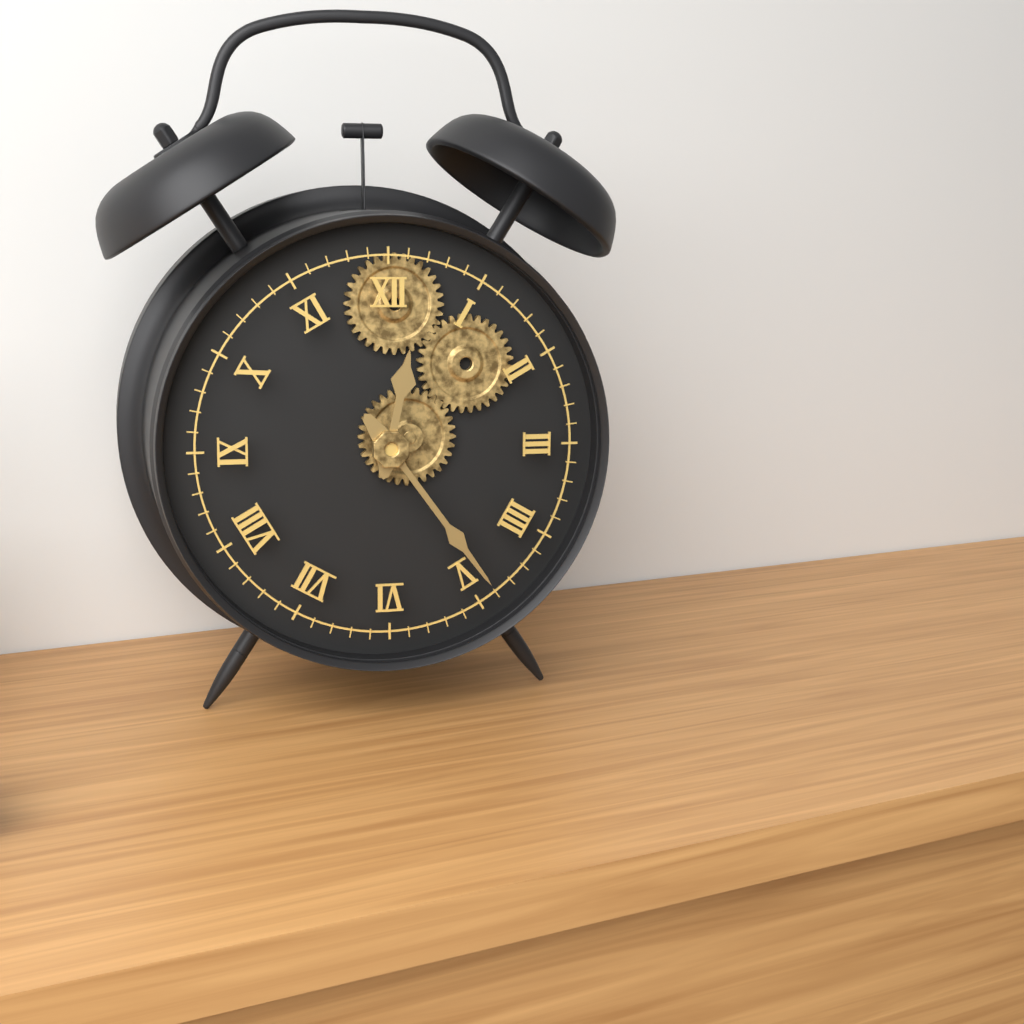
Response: 12:24
